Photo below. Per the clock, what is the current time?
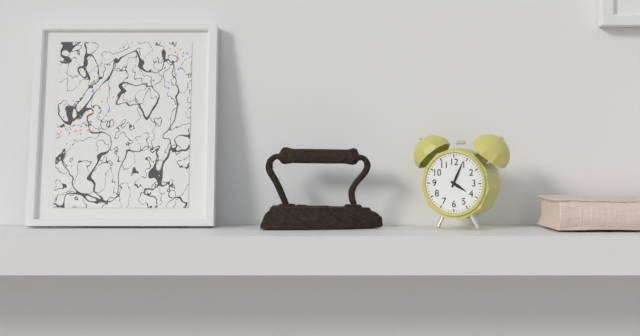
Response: 4:04
